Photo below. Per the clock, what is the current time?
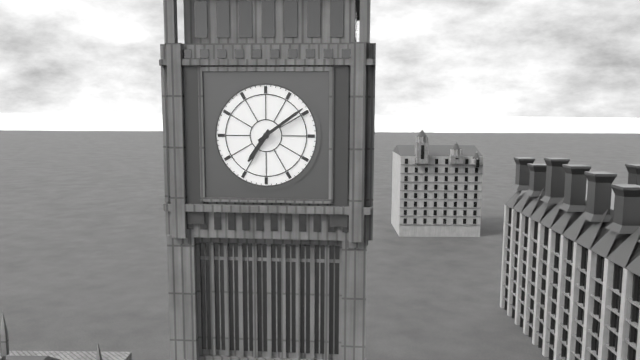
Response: 7:09
